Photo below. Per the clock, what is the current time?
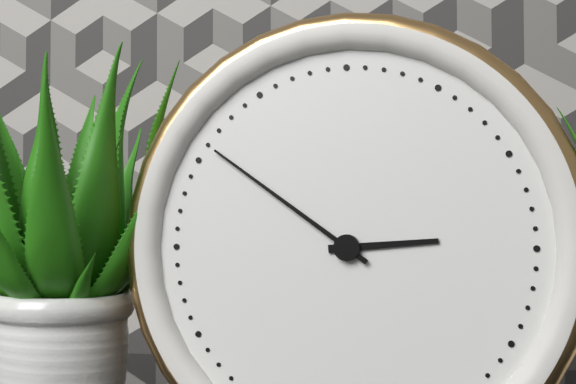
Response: 2:51
